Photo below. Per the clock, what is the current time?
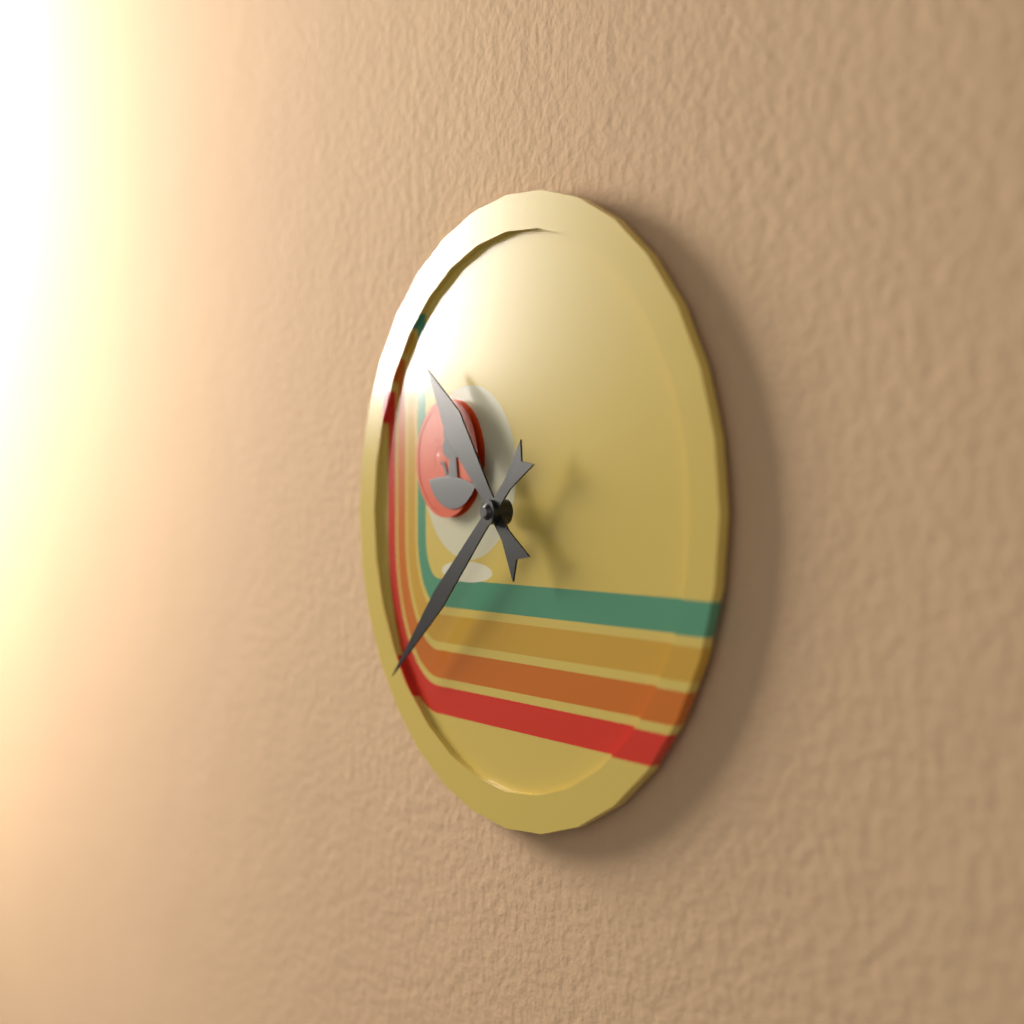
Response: 10:38
